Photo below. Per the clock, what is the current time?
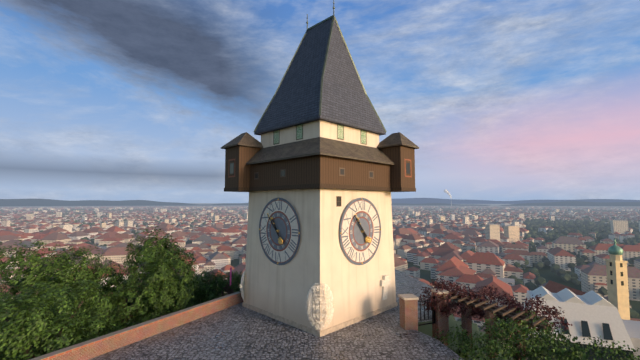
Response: 10:53
